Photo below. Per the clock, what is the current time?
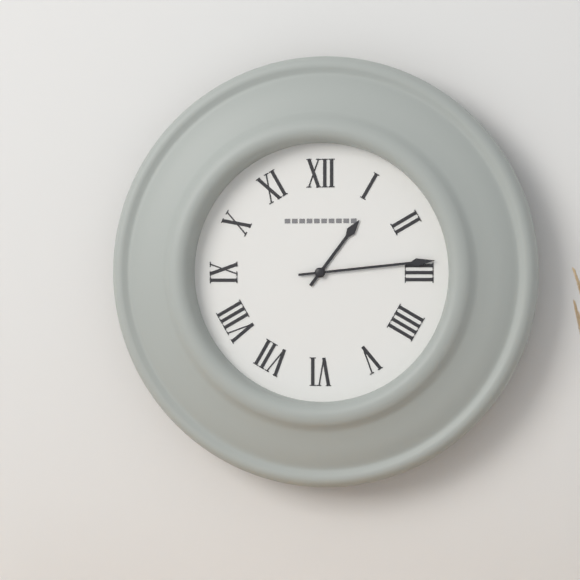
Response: 1:14
